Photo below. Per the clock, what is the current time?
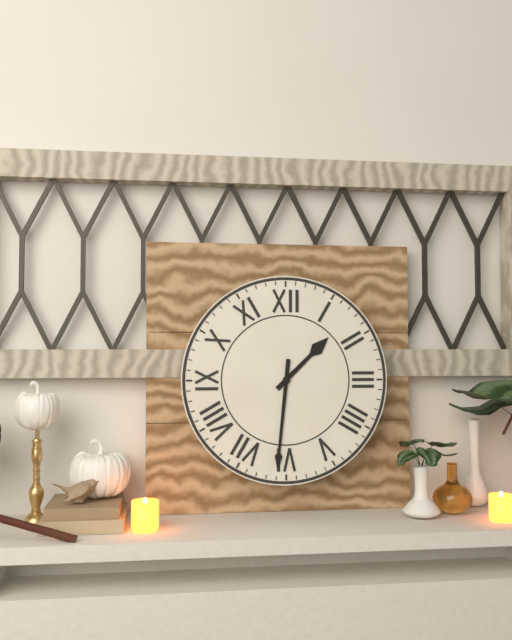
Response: 1:31
